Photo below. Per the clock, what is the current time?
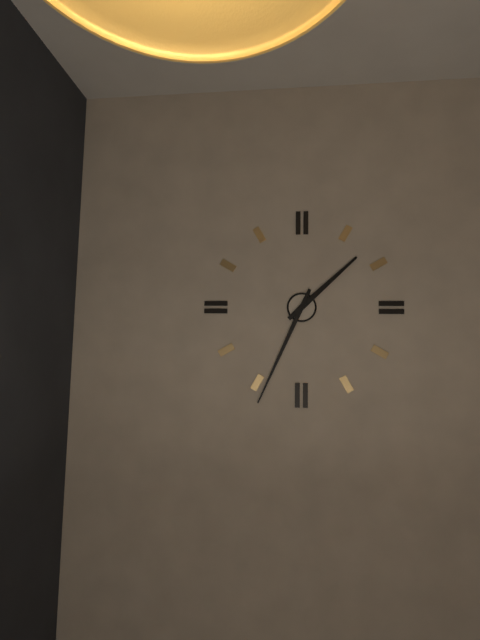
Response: 1:34
